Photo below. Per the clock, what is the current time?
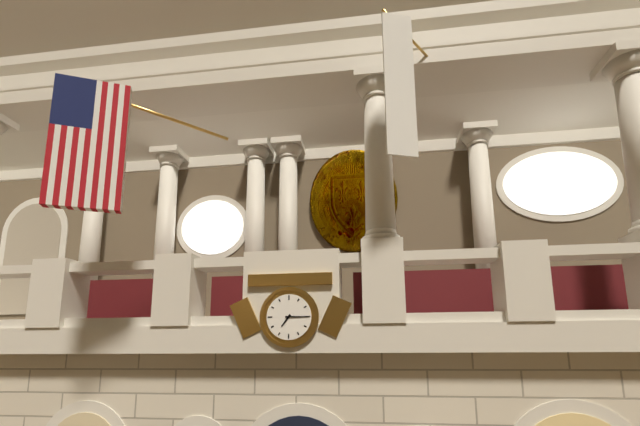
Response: 7:15
